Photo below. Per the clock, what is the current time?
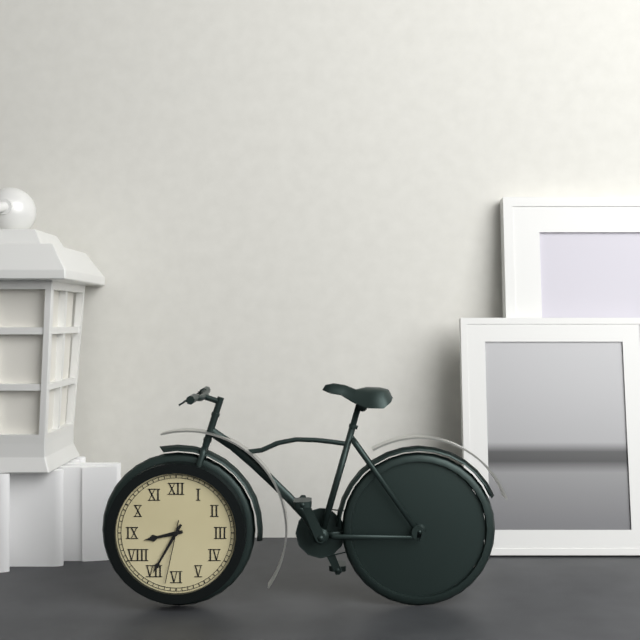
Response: 8:35:32
